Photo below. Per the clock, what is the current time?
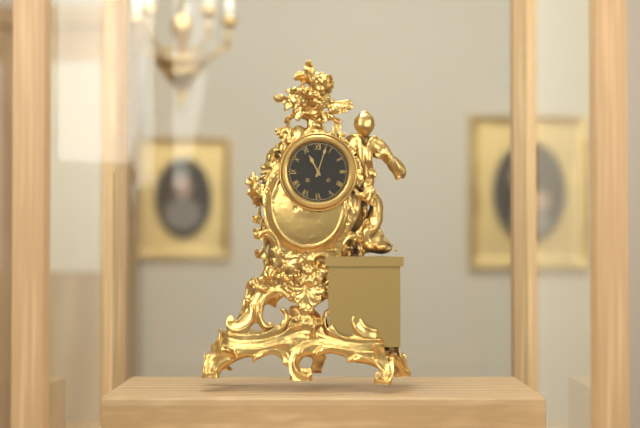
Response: 11:03
